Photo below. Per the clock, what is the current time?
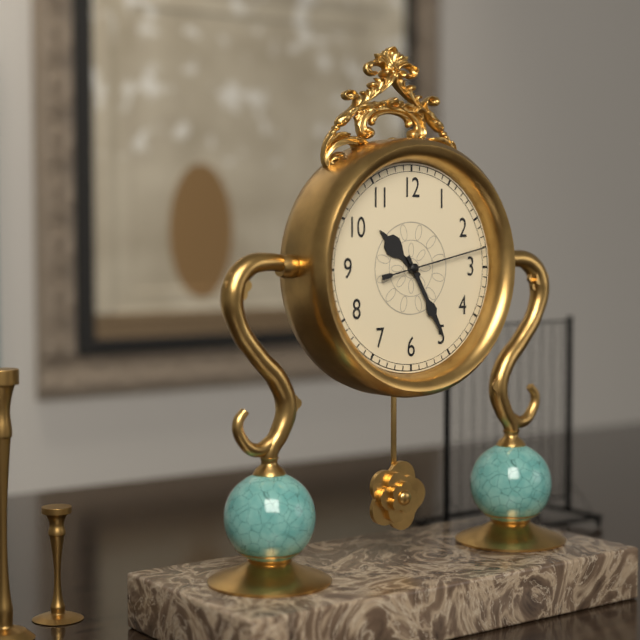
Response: 10:25:13
